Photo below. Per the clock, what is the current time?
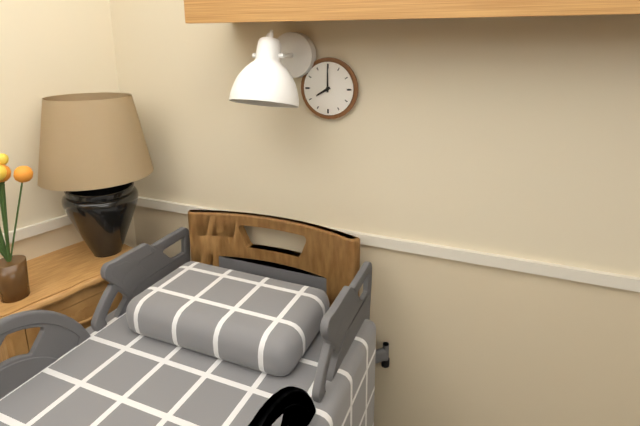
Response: 8:00
